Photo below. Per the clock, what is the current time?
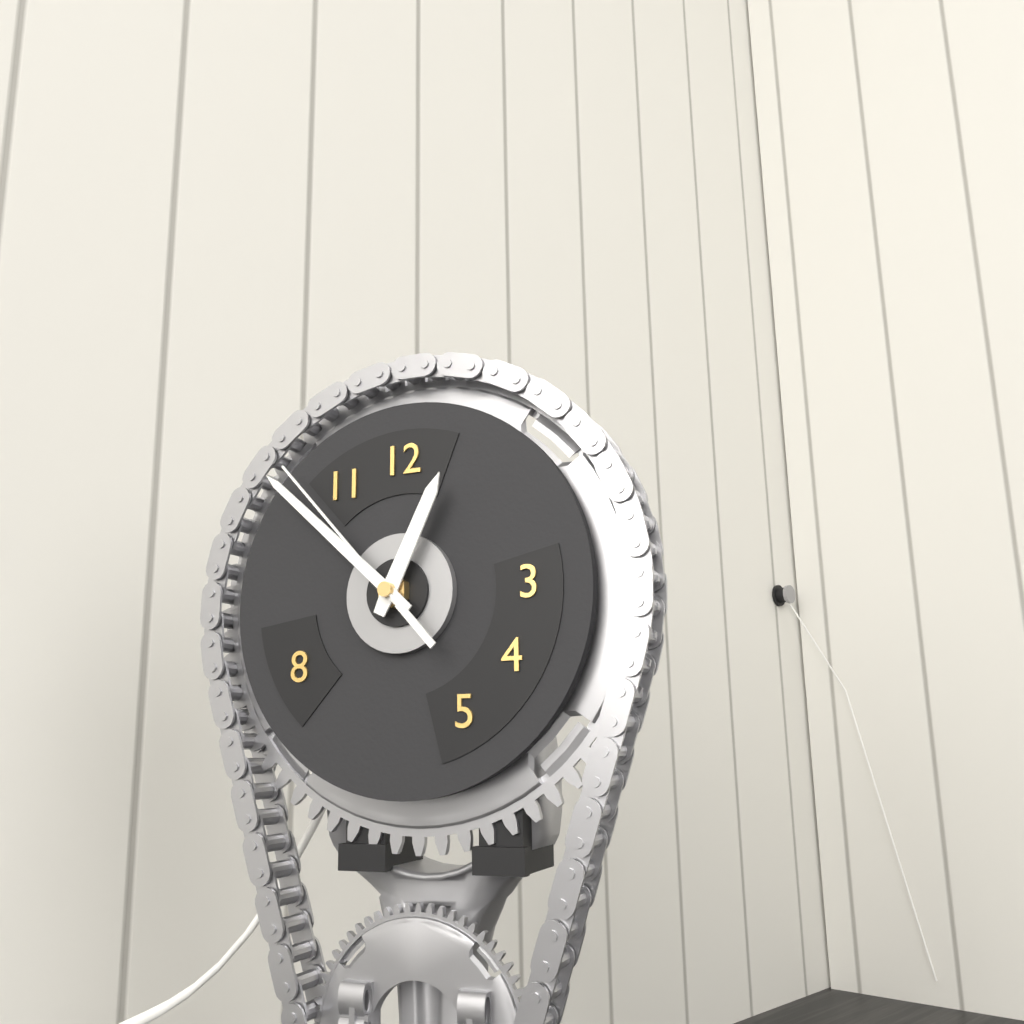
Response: 12:52:53
